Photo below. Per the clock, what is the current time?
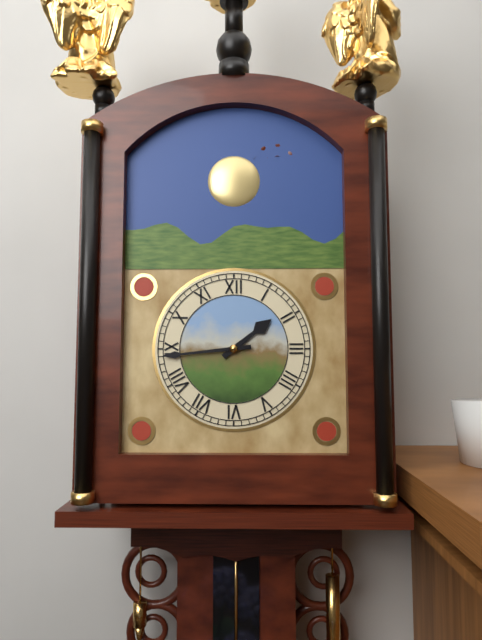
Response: 1:44
